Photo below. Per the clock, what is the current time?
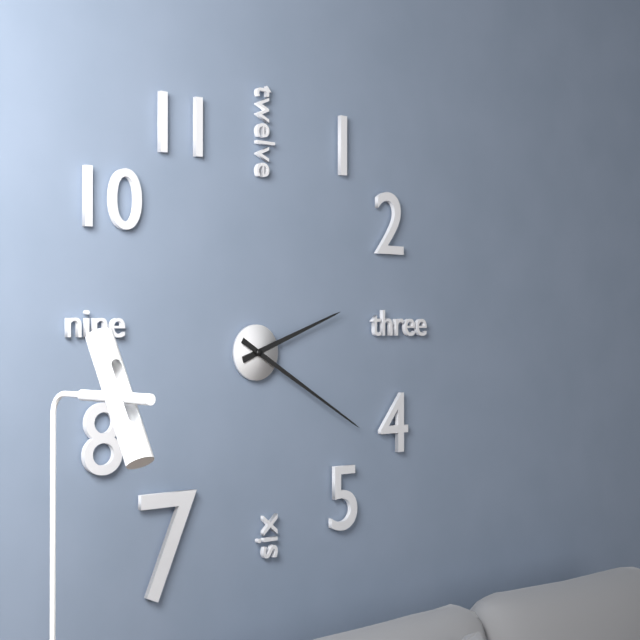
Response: 2:20
